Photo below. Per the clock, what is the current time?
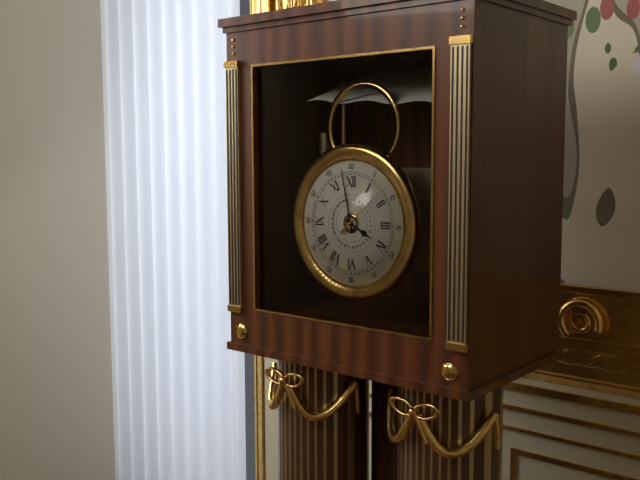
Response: 3:58:08
